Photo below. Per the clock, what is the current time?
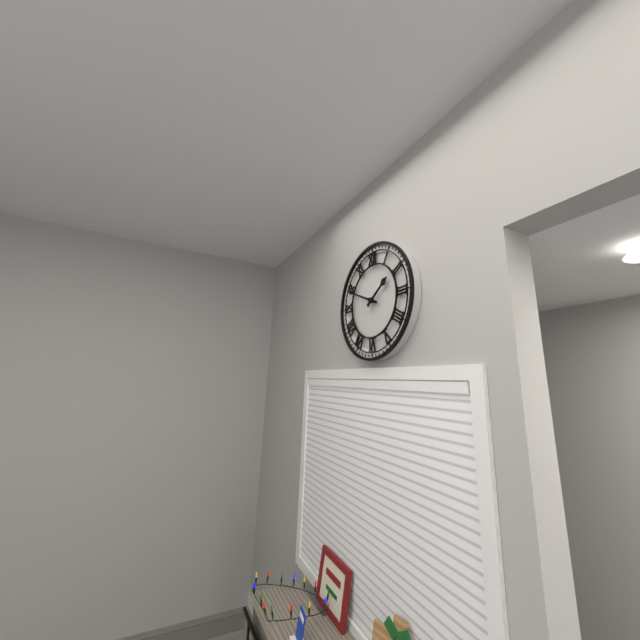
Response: 1:49
